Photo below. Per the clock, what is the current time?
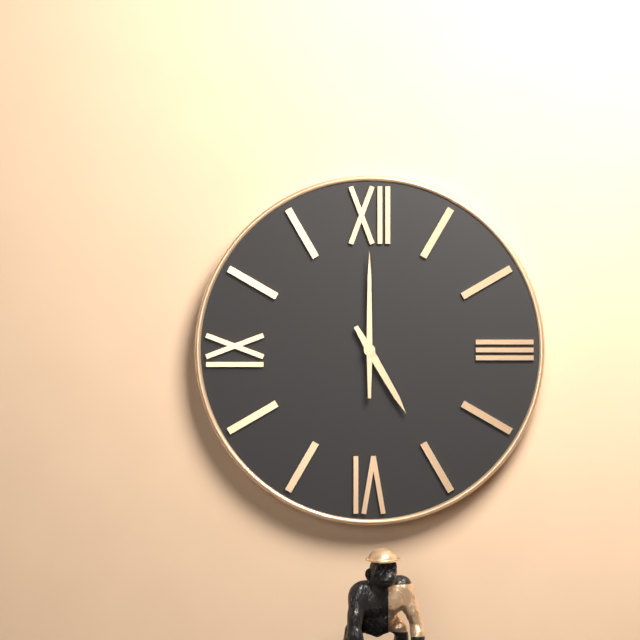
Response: 5:00
